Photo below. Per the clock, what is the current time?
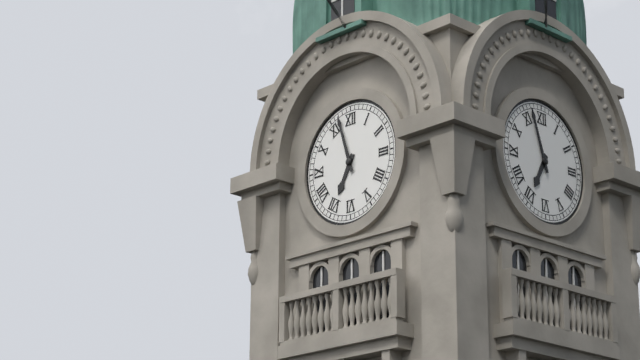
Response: 6:57
